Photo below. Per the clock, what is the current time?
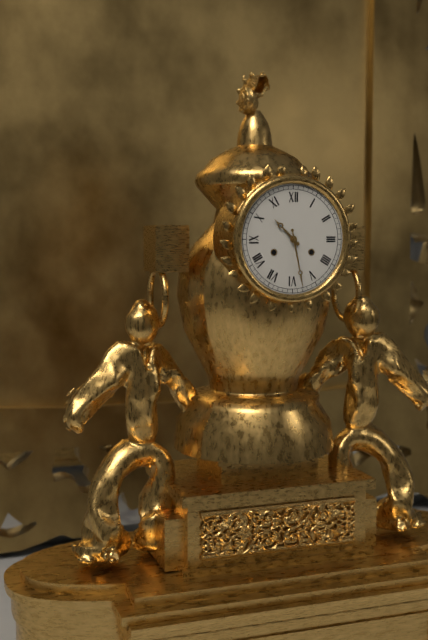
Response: 10:28
